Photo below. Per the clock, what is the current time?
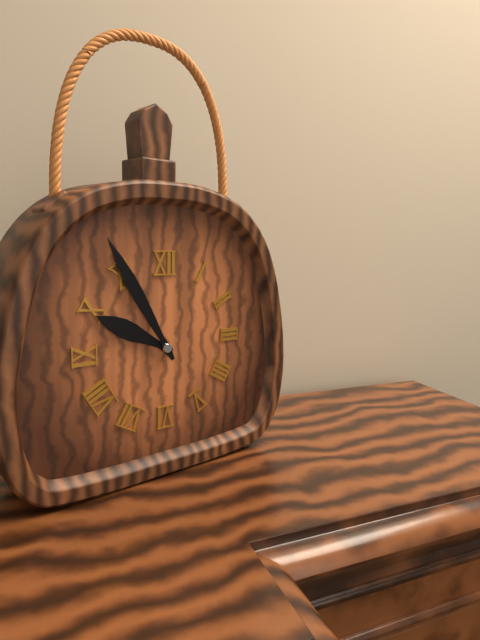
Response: 9:55
